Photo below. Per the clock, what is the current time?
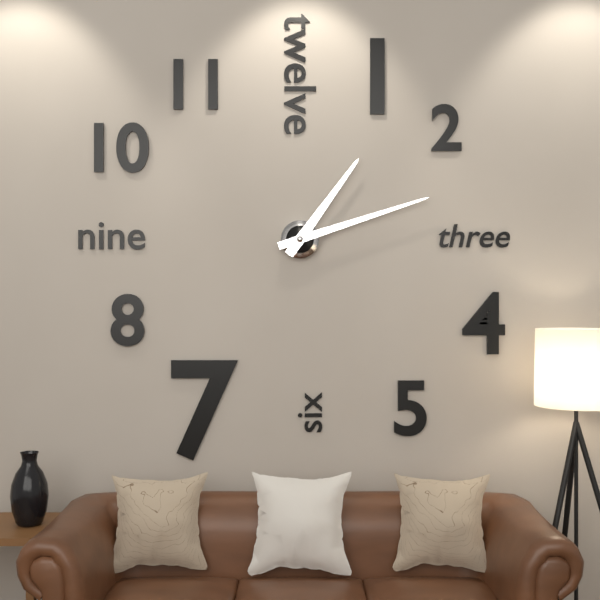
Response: 1:12
